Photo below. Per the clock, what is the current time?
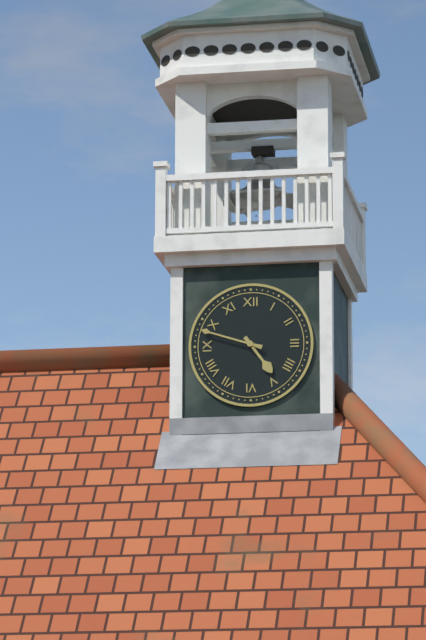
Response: 4:48
